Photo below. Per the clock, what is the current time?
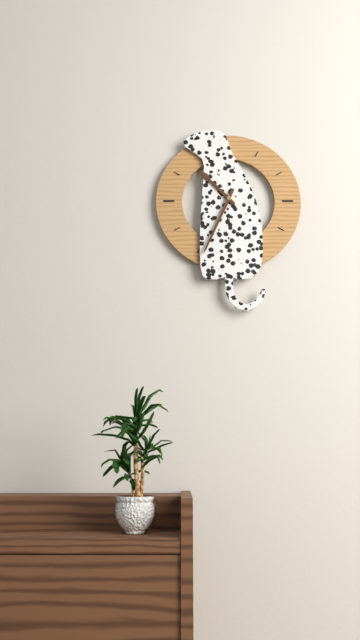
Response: 10:34
